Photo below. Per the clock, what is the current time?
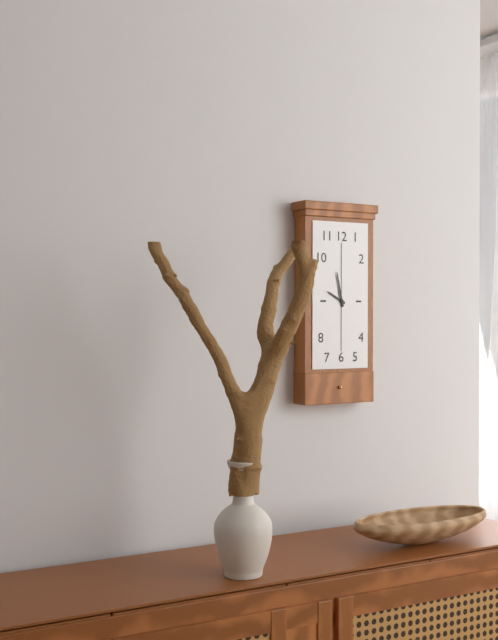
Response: 9:58
